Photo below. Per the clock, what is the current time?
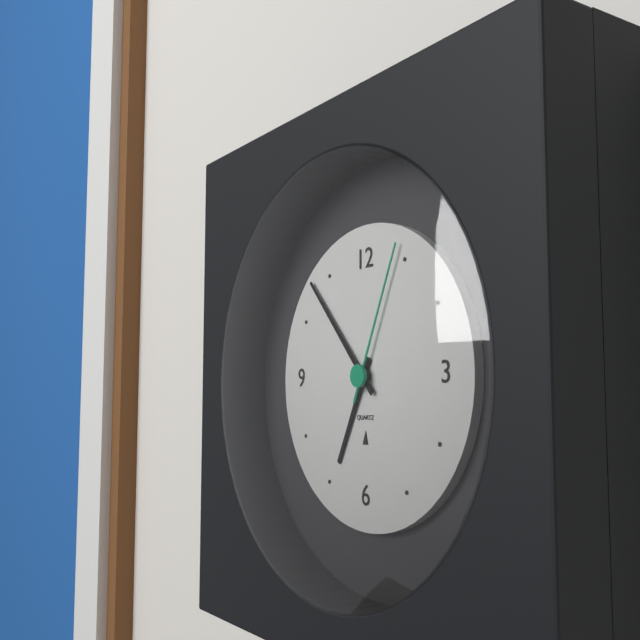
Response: 6:53:04
